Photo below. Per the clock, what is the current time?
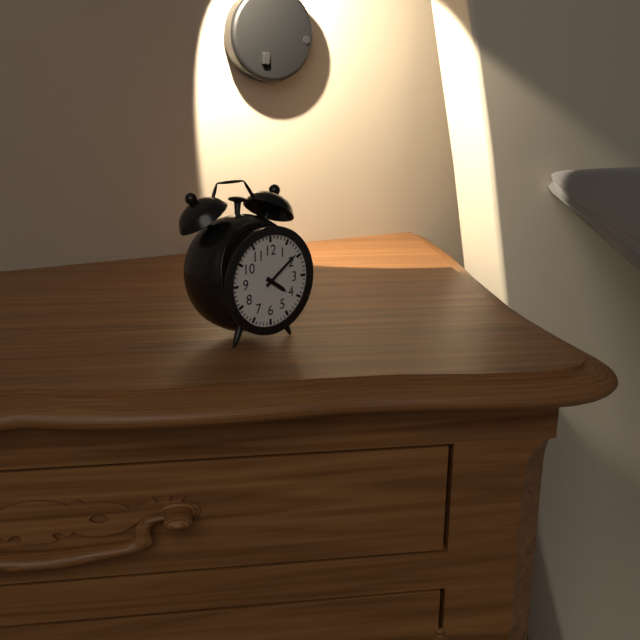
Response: 4:09
